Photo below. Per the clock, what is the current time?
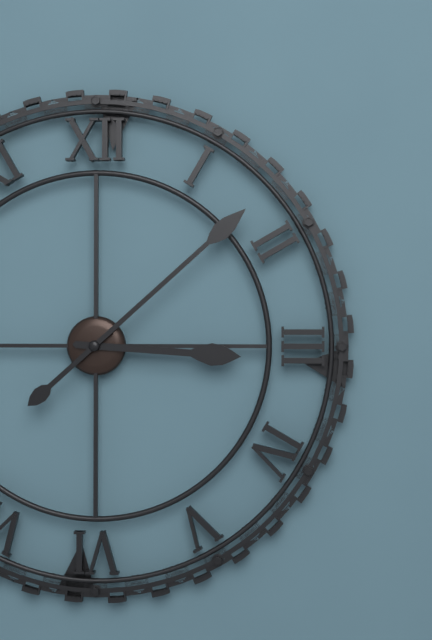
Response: 3:08
